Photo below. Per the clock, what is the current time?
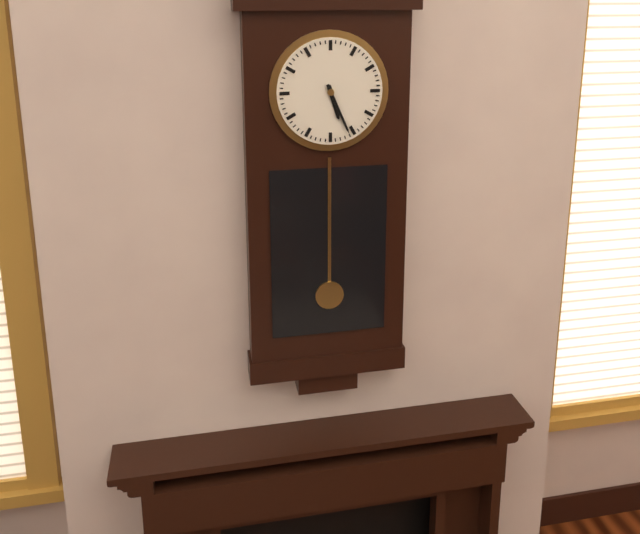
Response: 5:26
